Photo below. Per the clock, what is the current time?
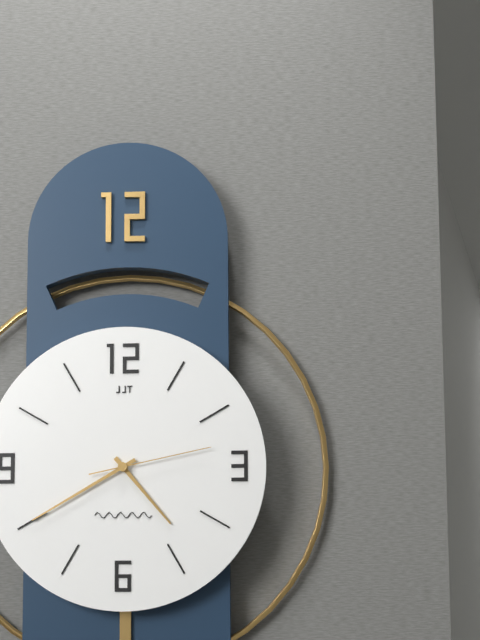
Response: 4:40:13
